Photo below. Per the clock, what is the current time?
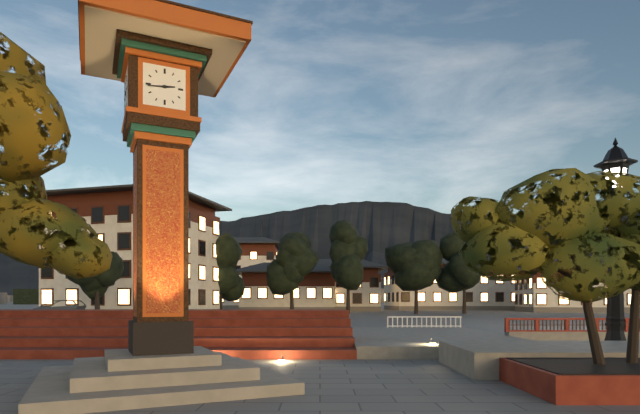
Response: 2:44
